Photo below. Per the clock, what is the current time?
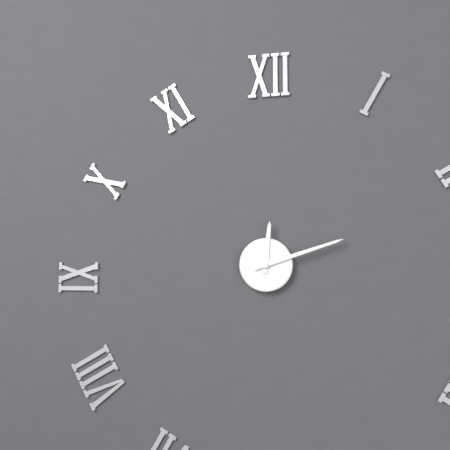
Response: 12:12
